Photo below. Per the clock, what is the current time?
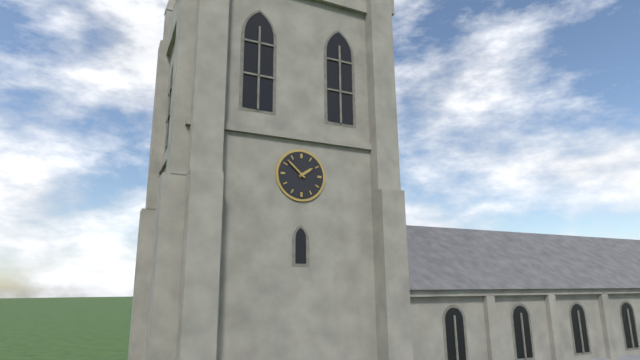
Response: 1:52
